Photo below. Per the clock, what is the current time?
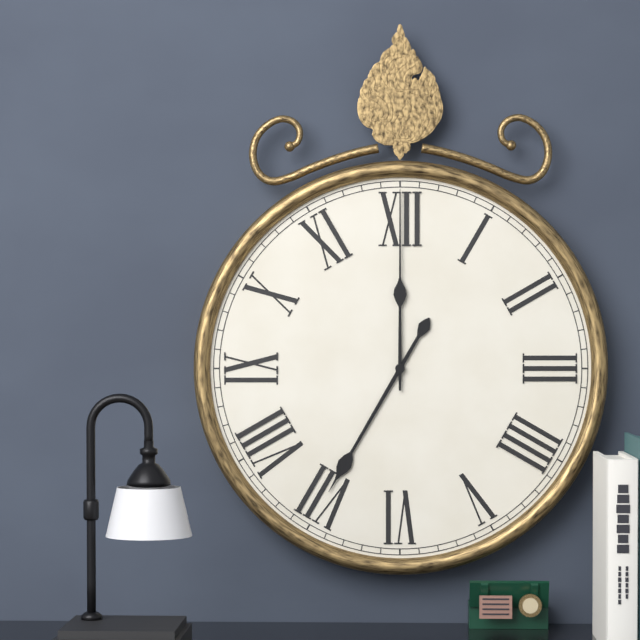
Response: 7:00
